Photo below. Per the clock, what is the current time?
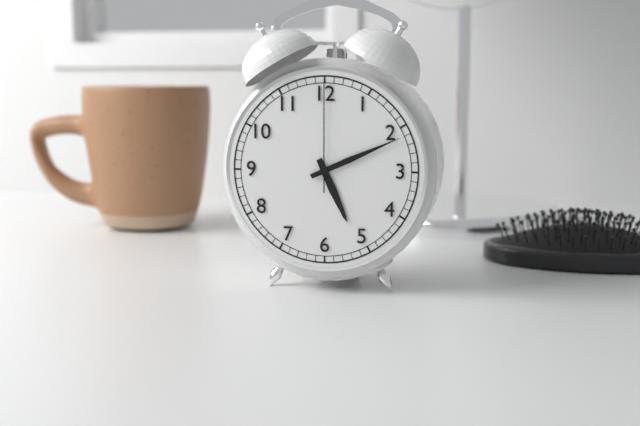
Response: 5:11:00
